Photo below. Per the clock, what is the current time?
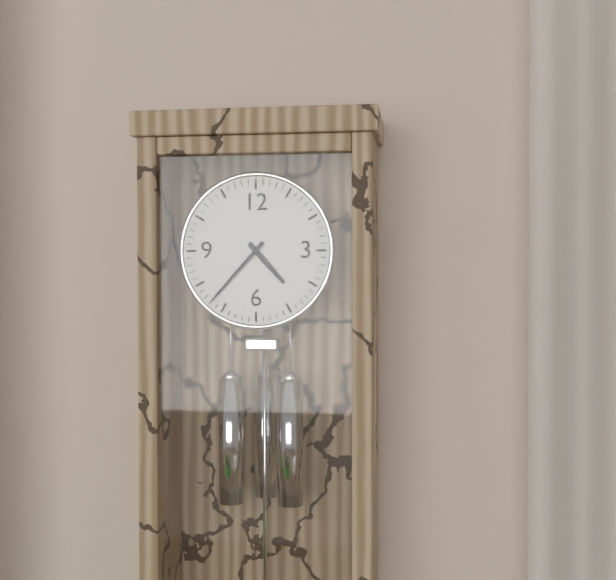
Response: 4:37
